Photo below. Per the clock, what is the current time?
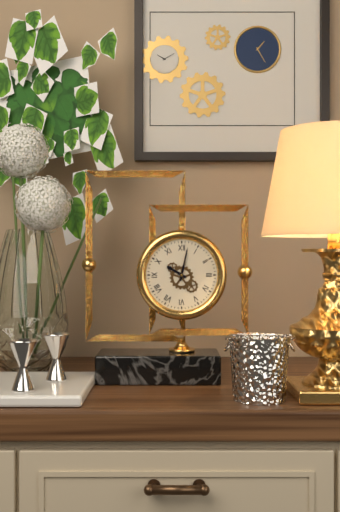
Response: 10:02
